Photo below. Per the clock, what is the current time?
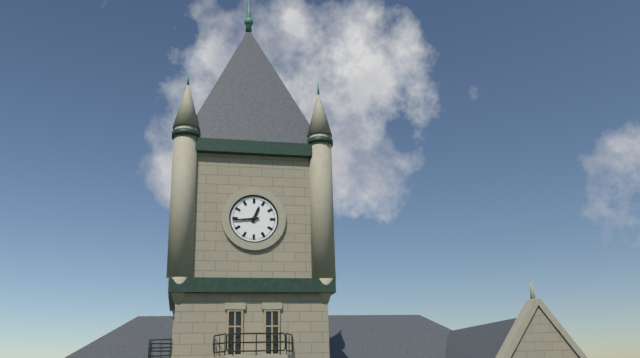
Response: 12:44
